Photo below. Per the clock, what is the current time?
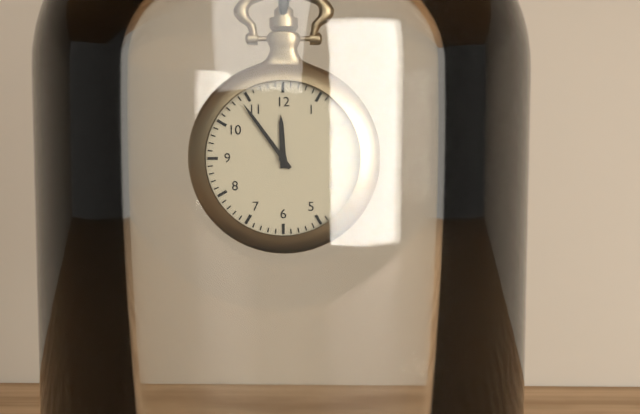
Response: 11:54
